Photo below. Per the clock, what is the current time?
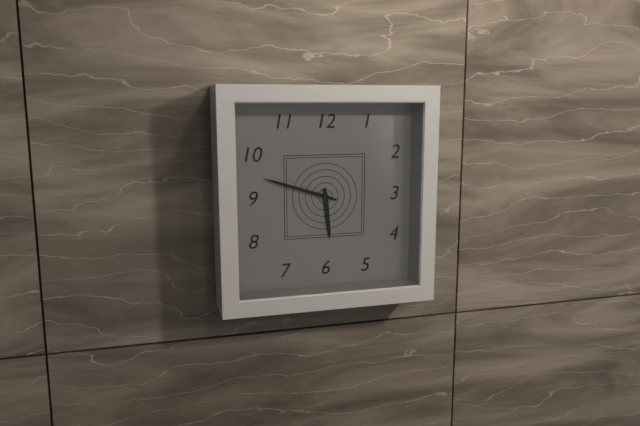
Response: 5:48
